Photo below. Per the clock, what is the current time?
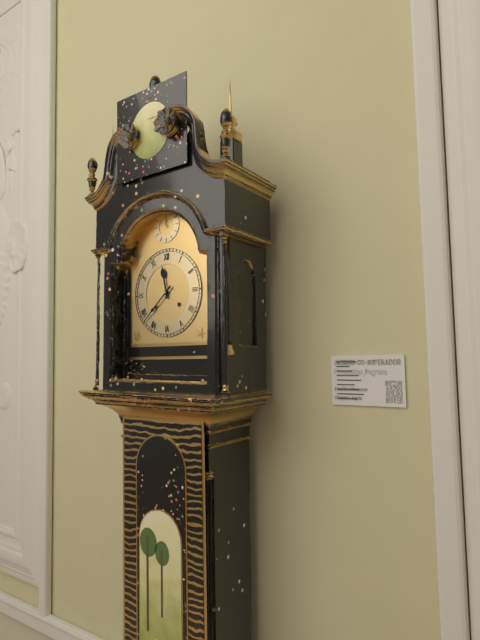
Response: 11:38
